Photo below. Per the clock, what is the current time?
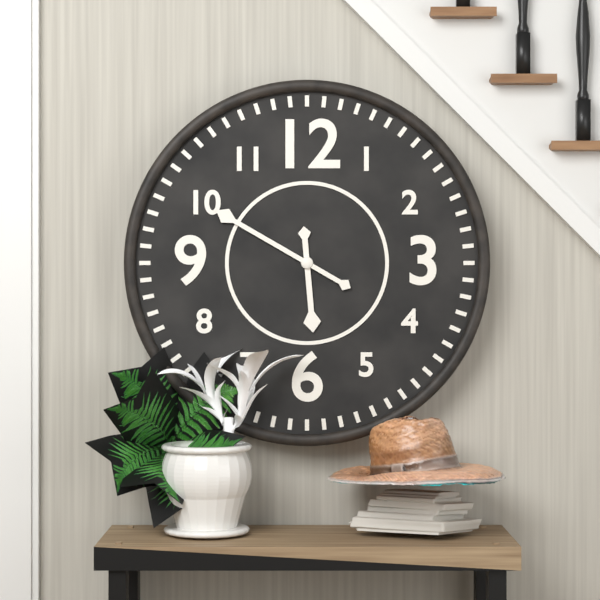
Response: 5:50
